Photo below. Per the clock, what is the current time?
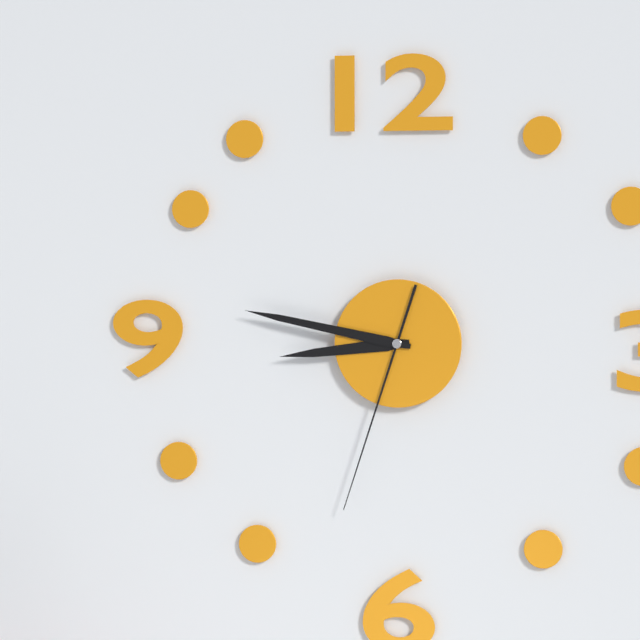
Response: 8:47:33
